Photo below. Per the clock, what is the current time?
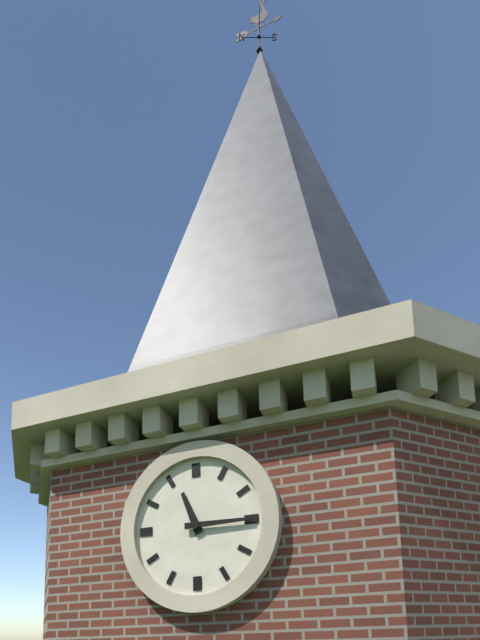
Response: 11:15
